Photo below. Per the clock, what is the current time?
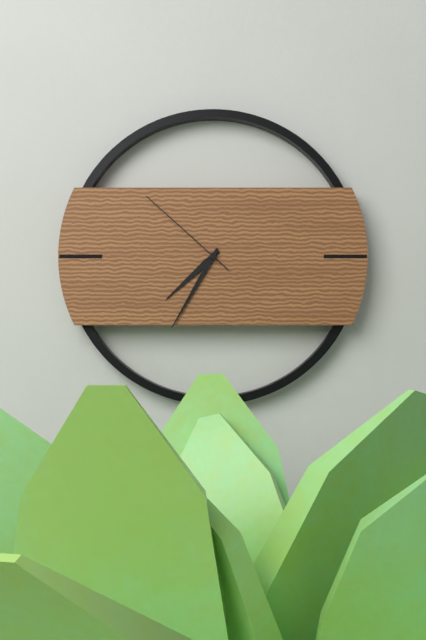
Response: 7:35:52
